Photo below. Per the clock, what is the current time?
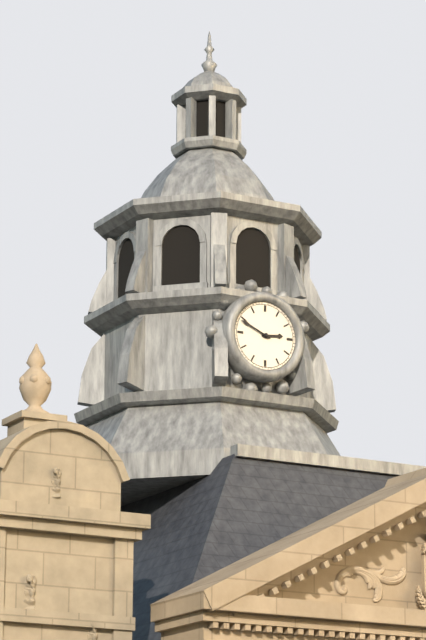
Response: 2:49
